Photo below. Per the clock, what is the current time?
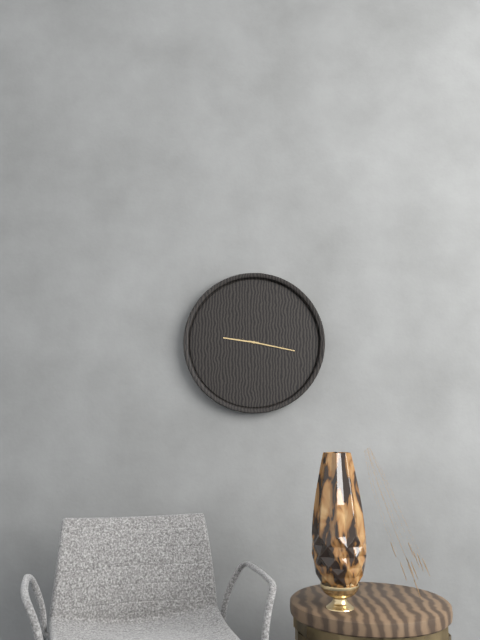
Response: 9:17
